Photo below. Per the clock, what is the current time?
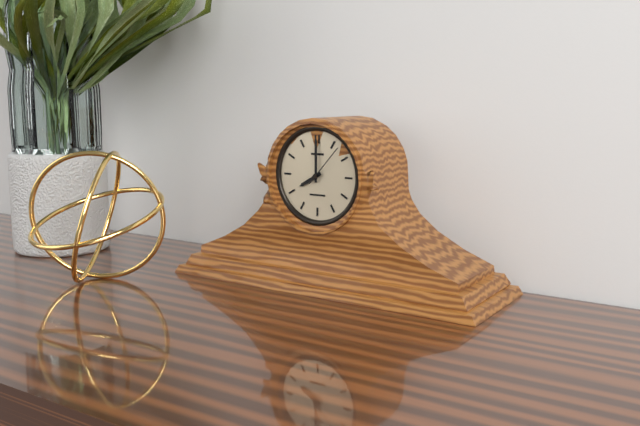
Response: 8:00
